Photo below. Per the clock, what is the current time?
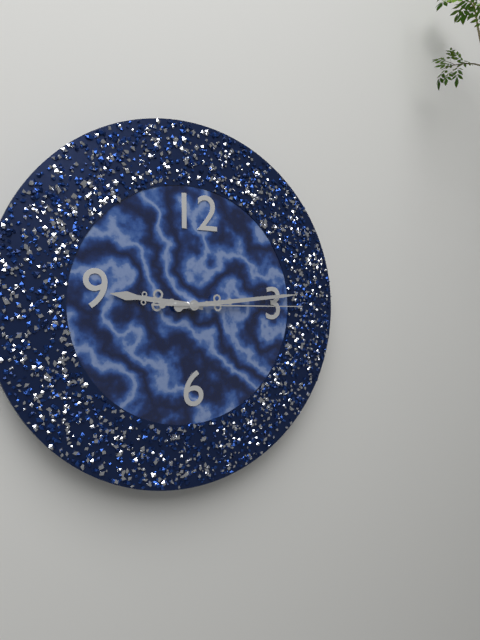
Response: 9:14:15
